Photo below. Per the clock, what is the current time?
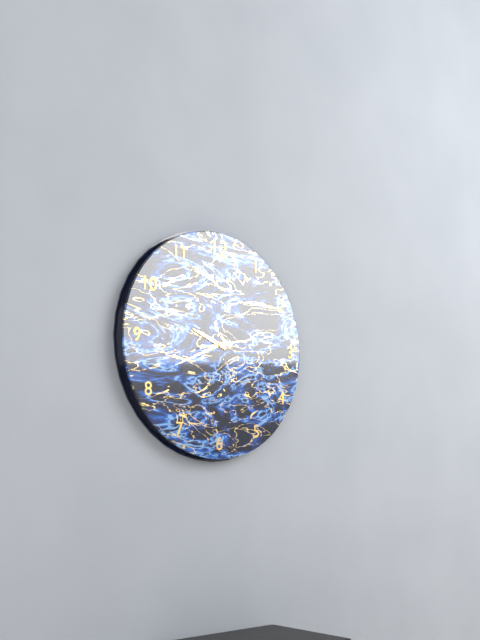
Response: 9:41
